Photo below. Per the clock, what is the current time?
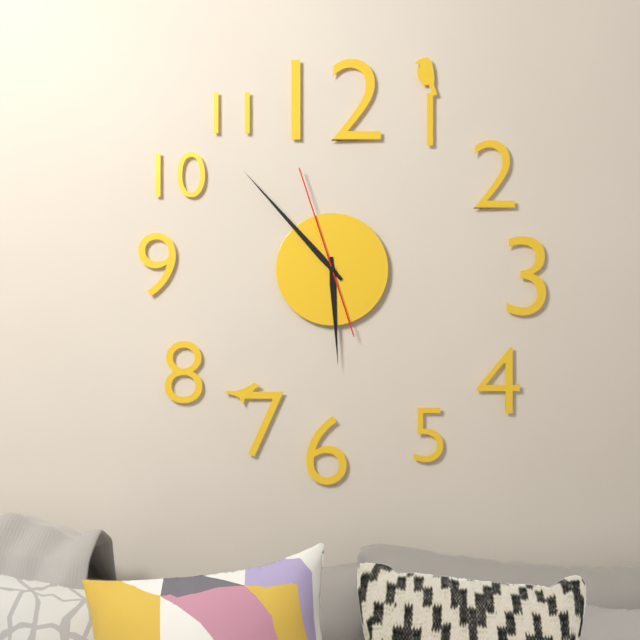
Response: 5:53:57
